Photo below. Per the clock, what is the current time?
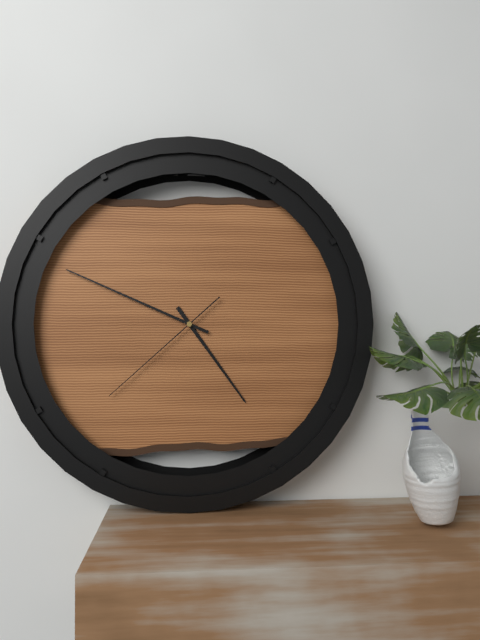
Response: 4:49:38
